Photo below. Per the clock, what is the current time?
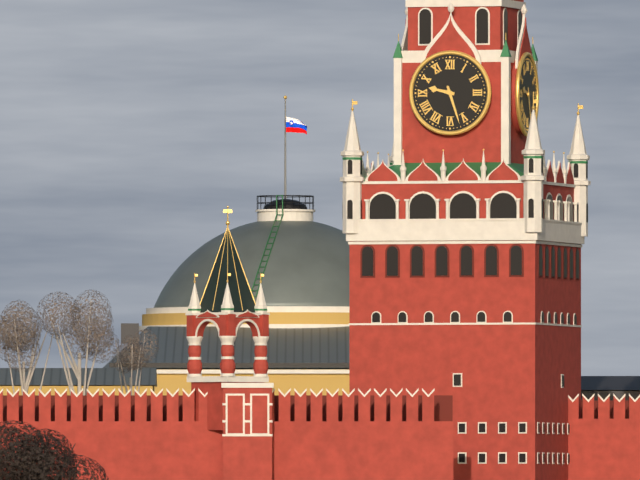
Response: 9:27
